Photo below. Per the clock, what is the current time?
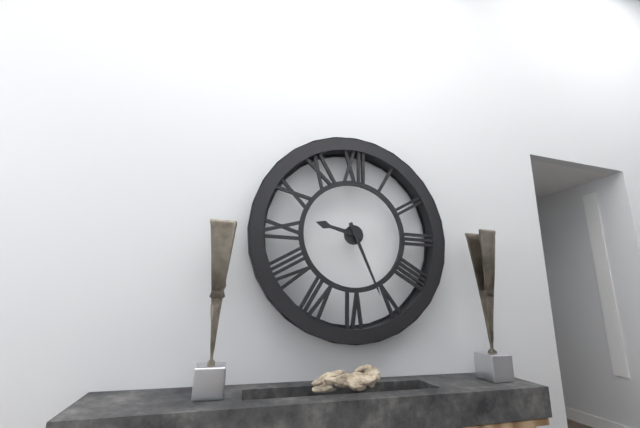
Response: 9:26
